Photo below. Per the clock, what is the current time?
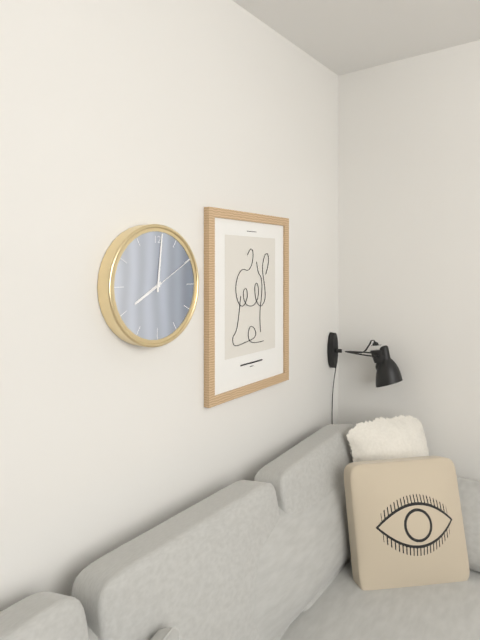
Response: 8:01:10
